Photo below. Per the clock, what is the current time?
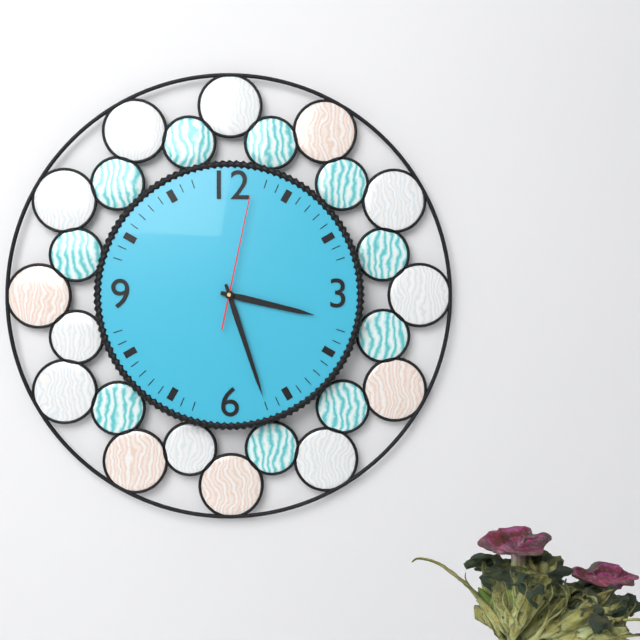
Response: 3:27:02
